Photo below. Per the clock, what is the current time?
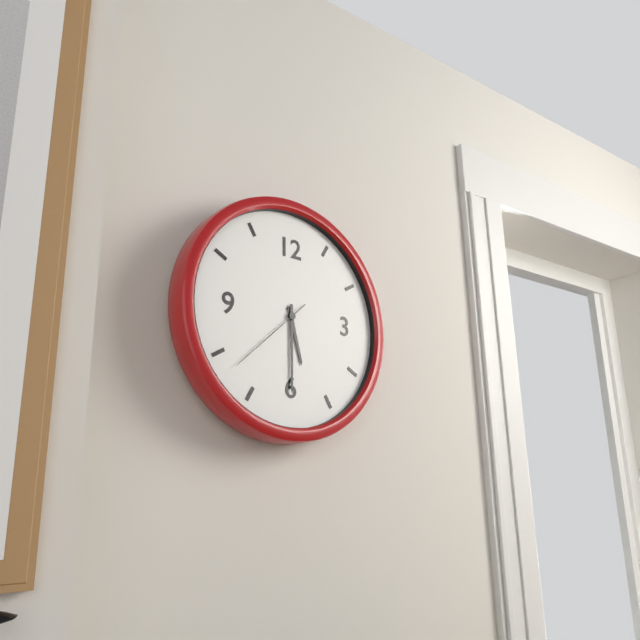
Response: 5:30:38
